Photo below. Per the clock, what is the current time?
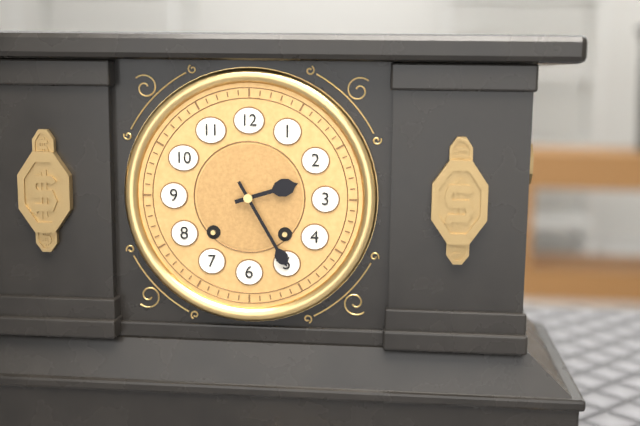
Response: 2:25
